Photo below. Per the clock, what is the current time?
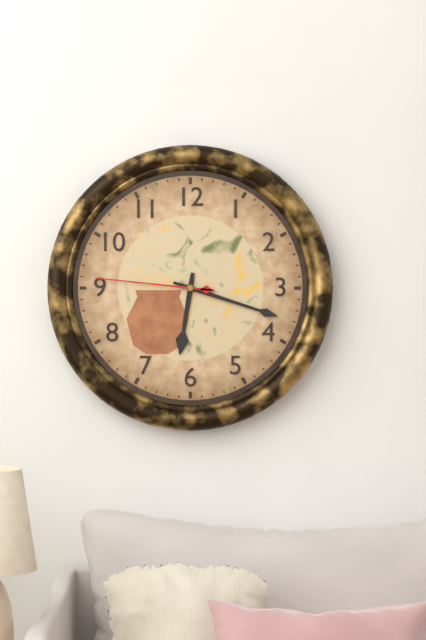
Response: 6:18:46
